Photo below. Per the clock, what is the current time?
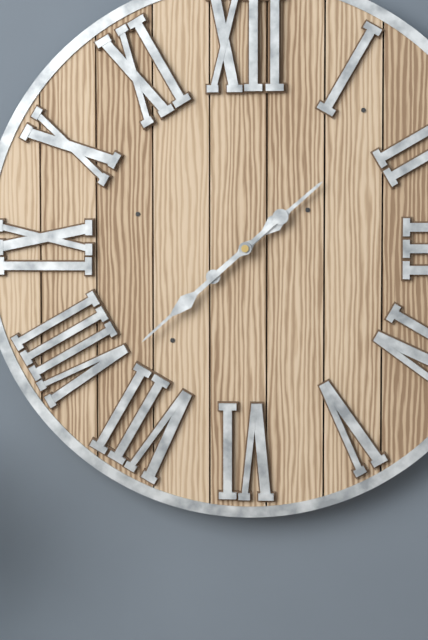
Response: 1:38
